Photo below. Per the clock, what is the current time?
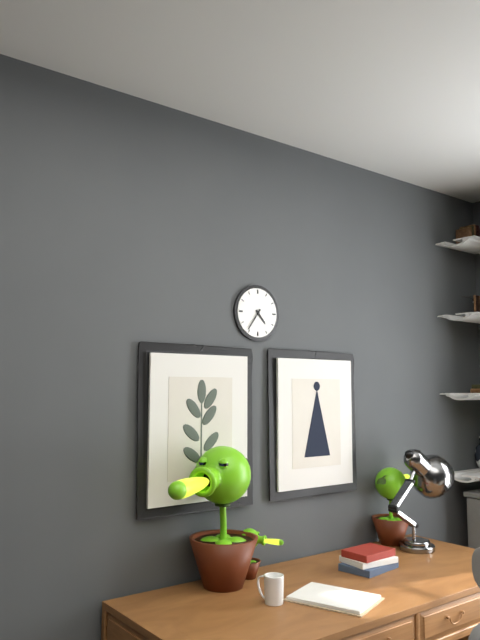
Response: 4:36
